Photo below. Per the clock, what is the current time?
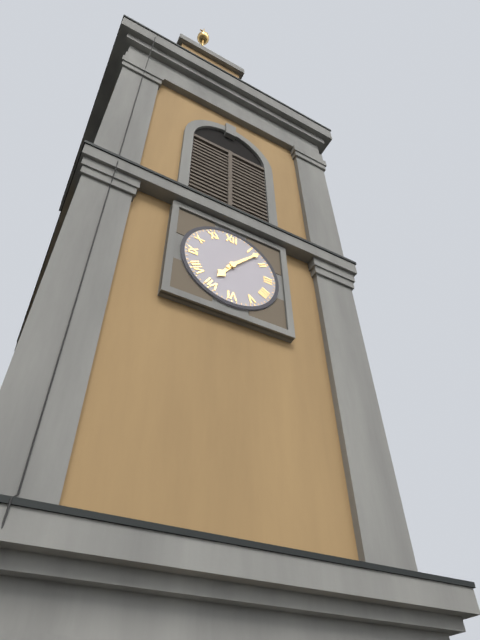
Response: 7:07
